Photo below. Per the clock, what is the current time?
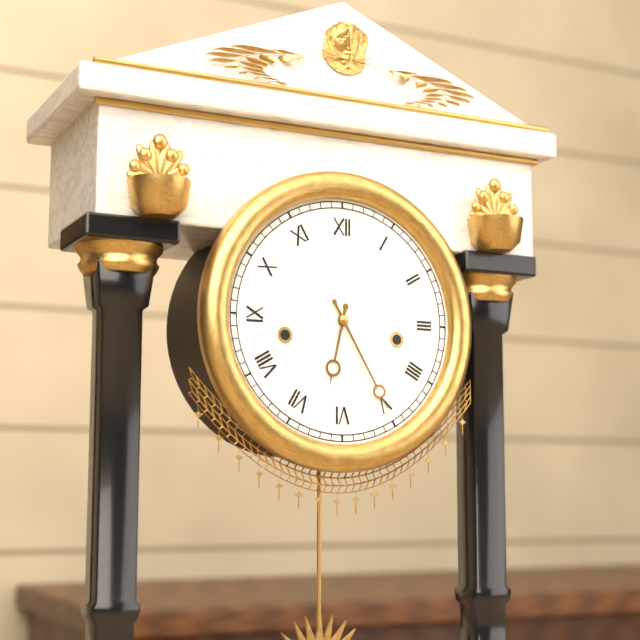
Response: 6:25
